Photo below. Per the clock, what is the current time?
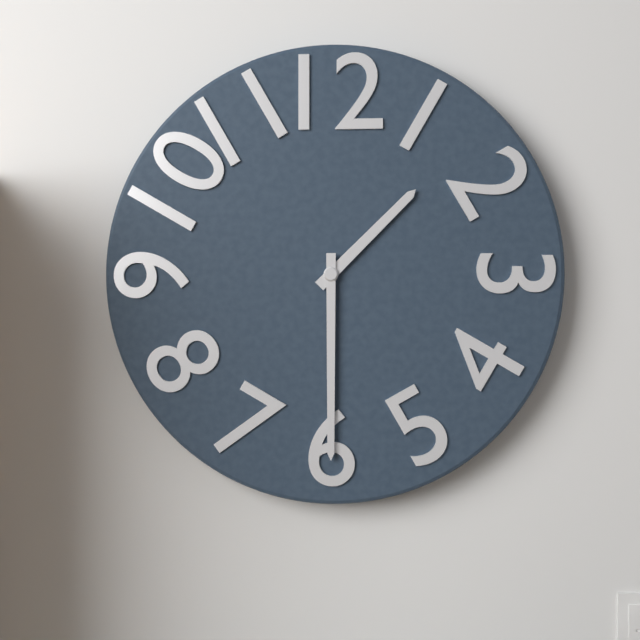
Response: 1:30
